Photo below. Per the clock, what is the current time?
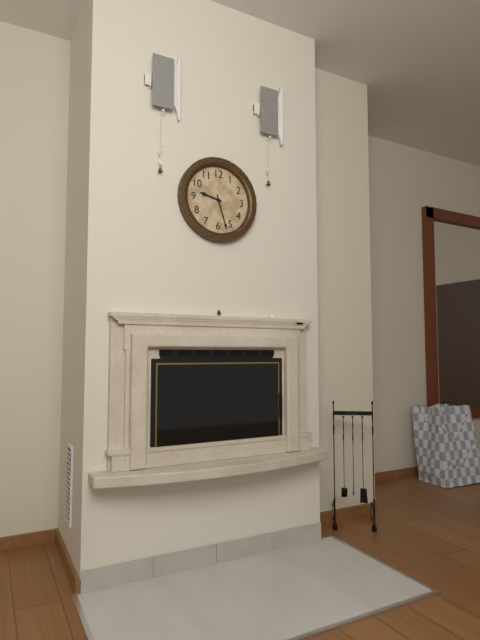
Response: 9:27
